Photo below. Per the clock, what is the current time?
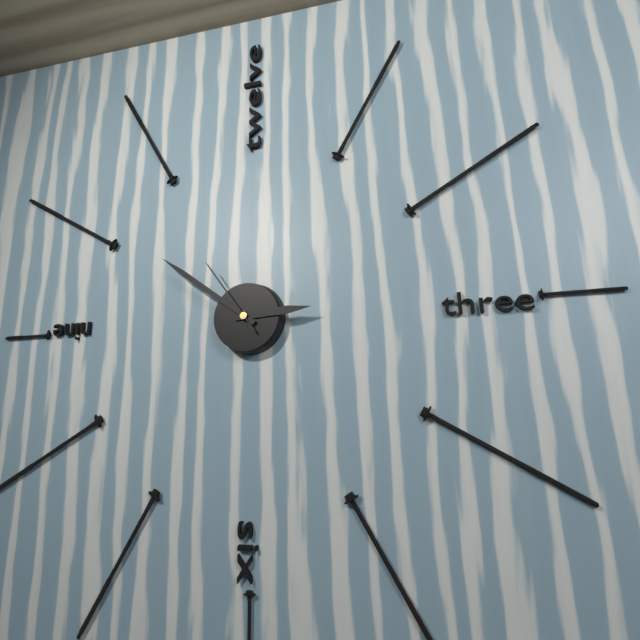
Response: 2:51:54
